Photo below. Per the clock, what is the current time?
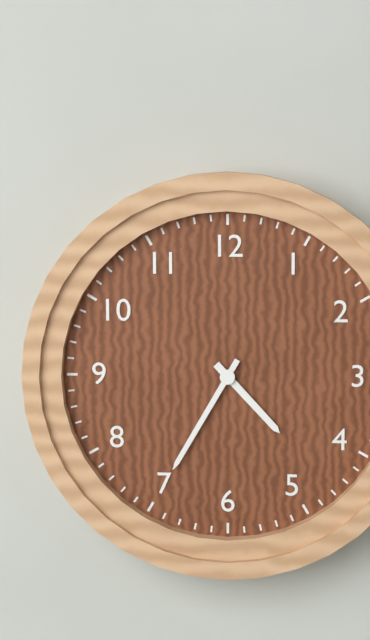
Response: 4:35
